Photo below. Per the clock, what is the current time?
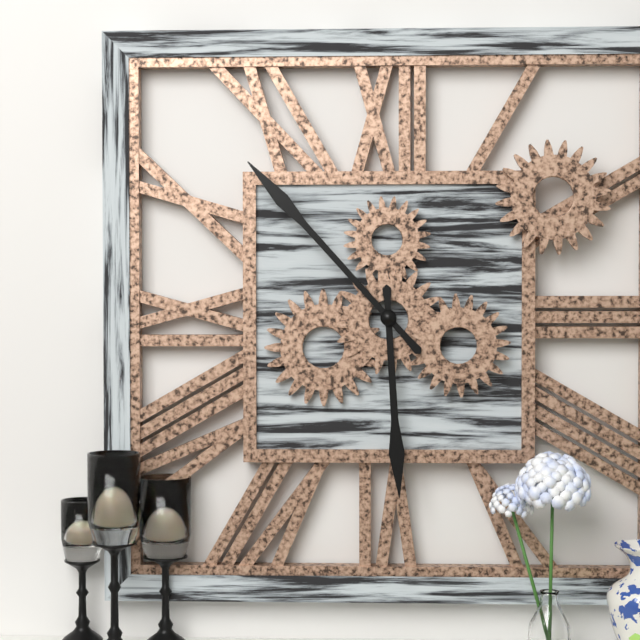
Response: 5:53
